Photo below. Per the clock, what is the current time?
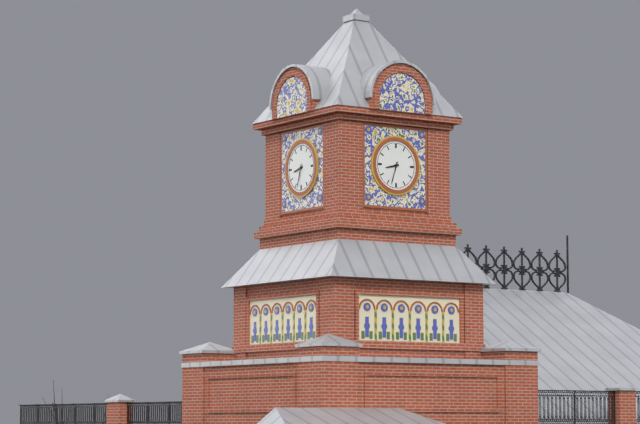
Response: 8:33
